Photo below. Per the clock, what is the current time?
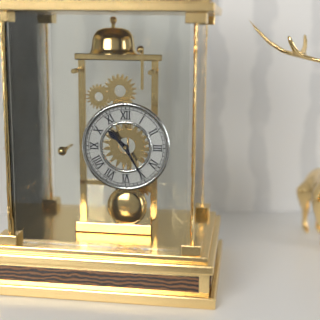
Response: 10:25
